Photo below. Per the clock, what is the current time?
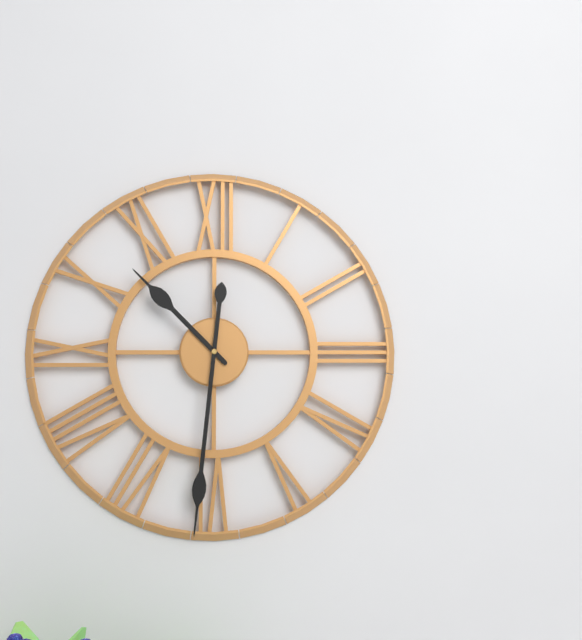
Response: 10:31
